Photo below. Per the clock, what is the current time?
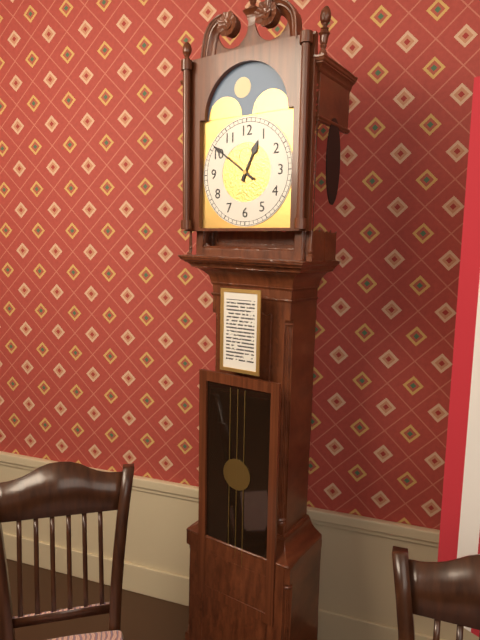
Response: 12:51
